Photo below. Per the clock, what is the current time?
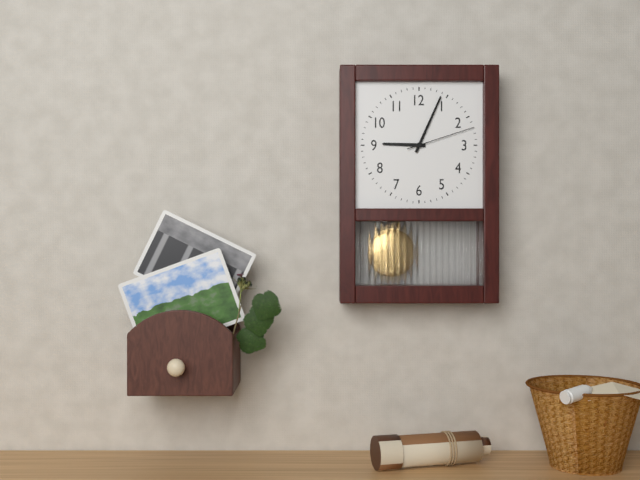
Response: 9:04:12
